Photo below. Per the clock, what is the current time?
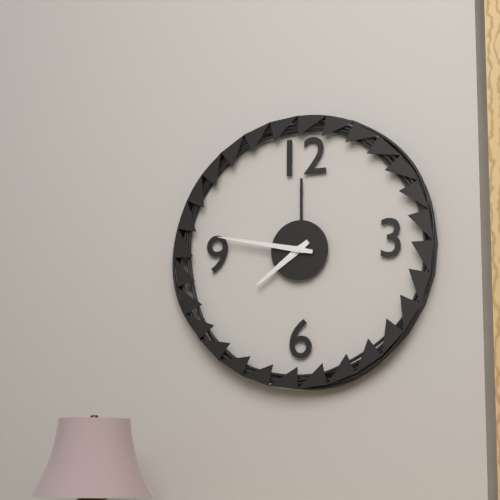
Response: 7:47
